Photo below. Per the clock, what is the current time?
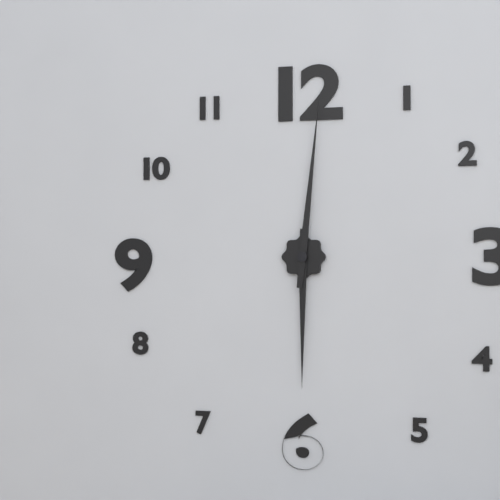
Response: 6:01
